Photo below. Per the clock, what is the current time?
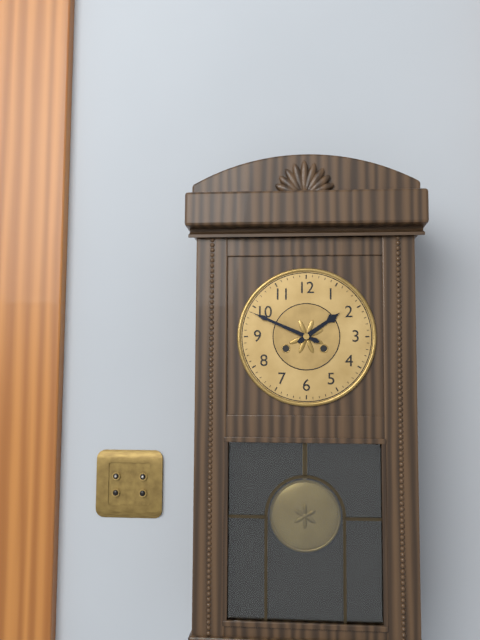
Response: 1:49
